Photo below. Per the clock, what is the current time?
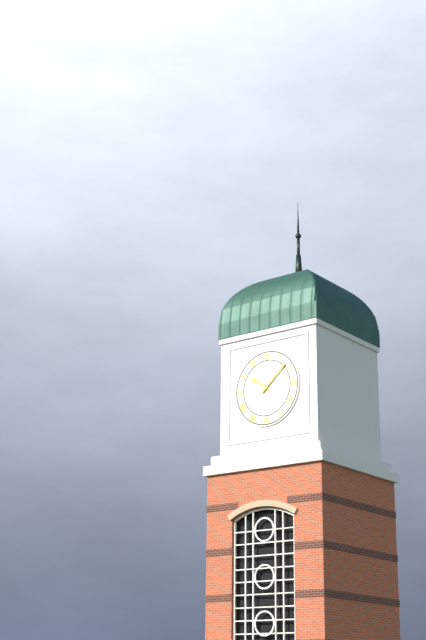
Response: 10:08
